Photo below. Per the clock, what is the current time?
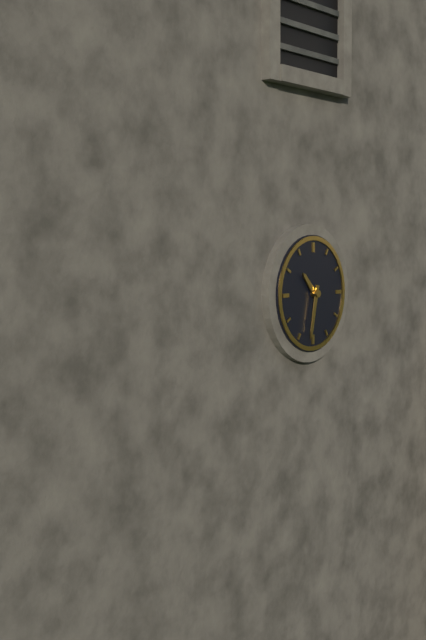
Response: 10:32
